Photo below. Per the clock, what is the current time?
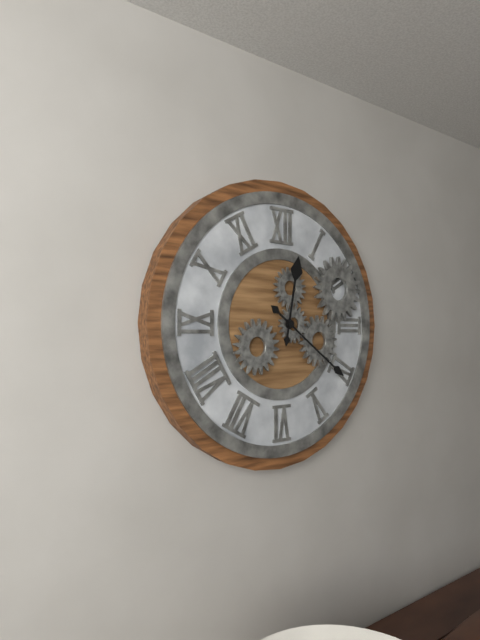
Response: 12:21
